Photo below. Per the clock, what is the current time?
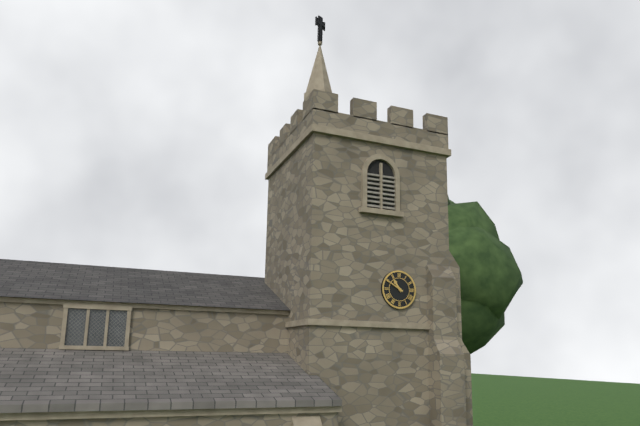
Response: 10:50
